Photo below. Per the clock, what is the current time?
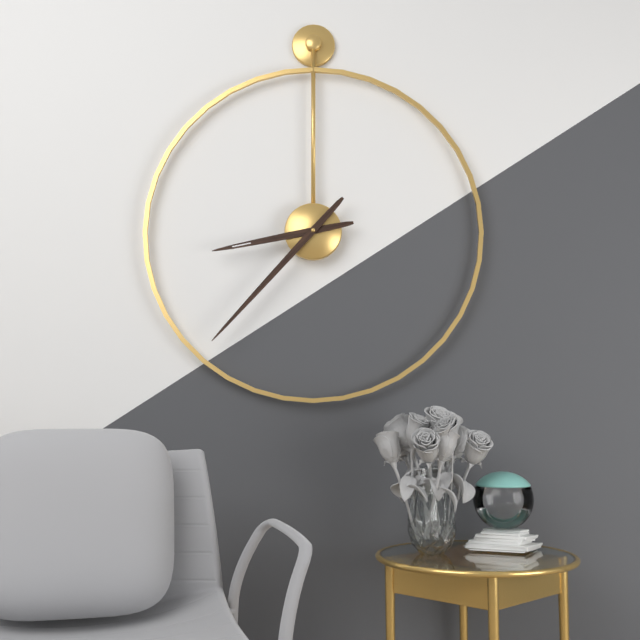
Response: 8:37
